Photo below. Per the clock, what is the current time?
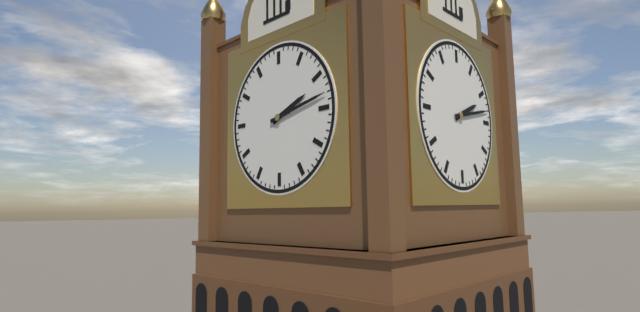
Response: 2:13
